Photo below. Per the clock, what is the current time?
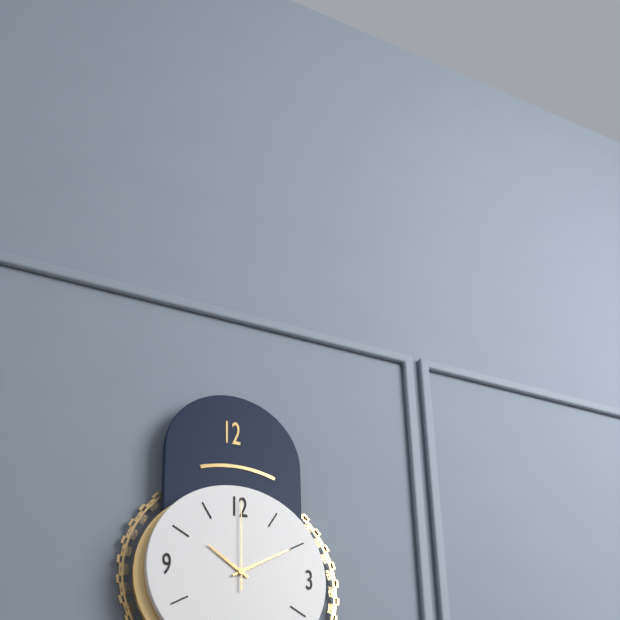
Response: 10:10:00
